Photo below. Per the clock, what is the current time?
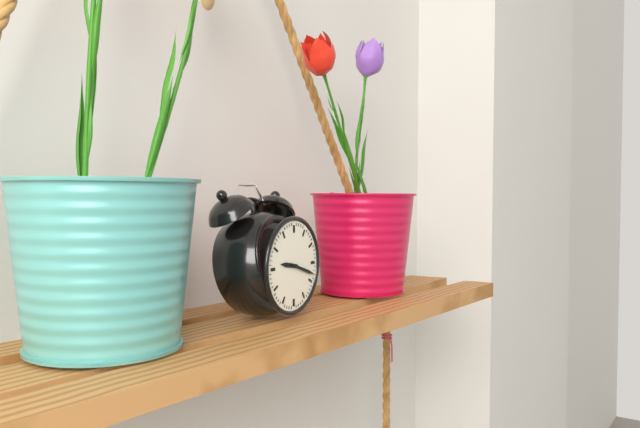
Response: 9:18
